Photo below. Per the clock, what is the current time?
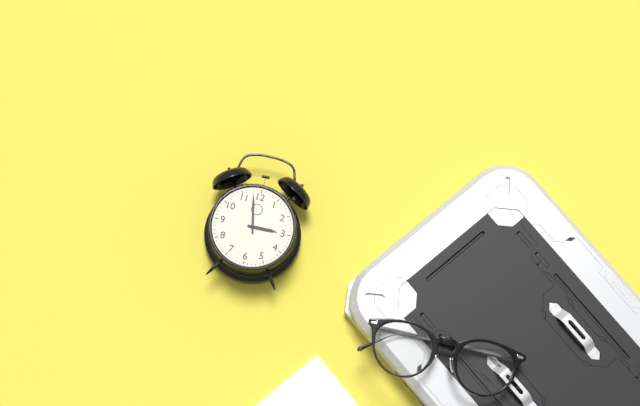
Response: 2:58
